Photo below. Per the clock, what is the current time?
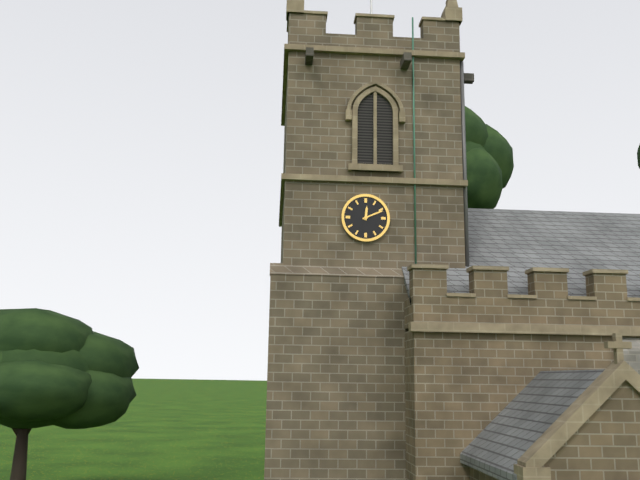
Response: 12:11
